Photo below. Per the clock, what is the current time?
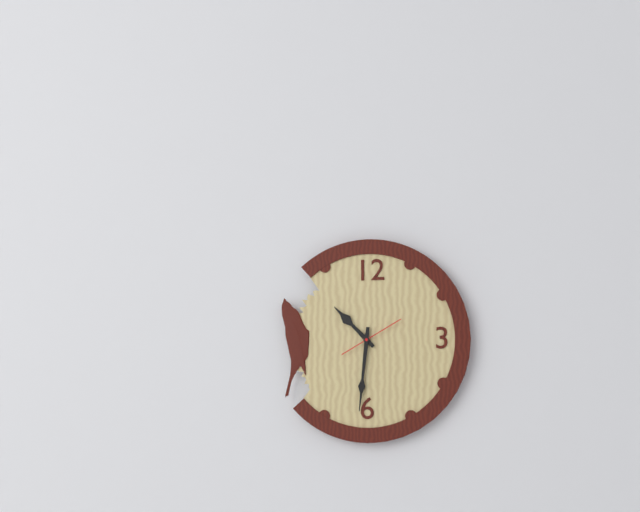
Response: 10:31:10
